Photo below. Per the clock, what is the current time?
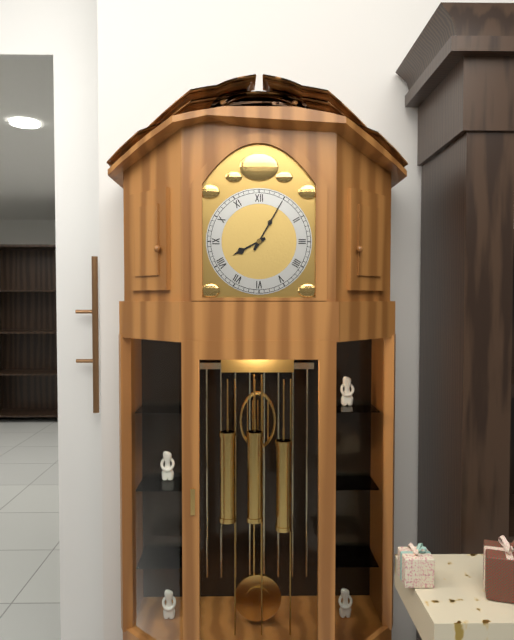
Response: 8:05
